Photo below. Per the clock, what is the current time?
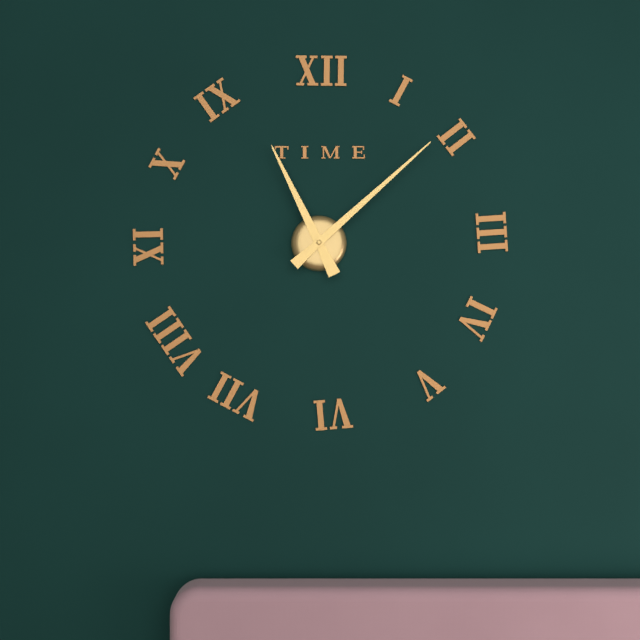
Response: 11:08
